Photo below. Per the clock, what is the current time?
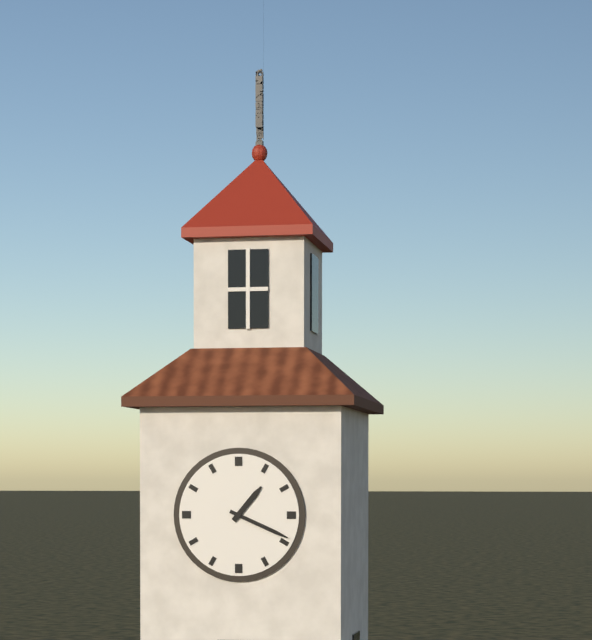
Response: 1:19
